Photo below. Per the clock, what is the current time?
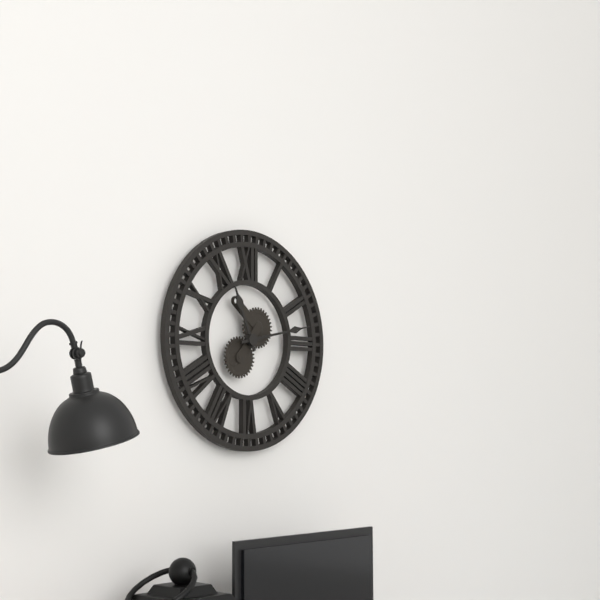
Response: 11:13
